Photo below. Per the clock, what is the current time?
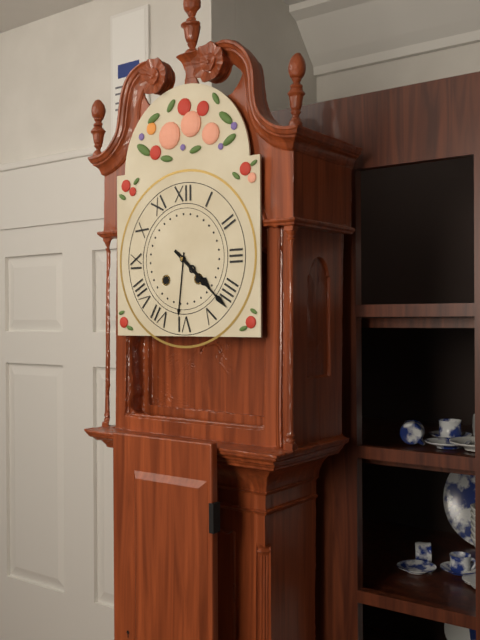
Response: 4:22
